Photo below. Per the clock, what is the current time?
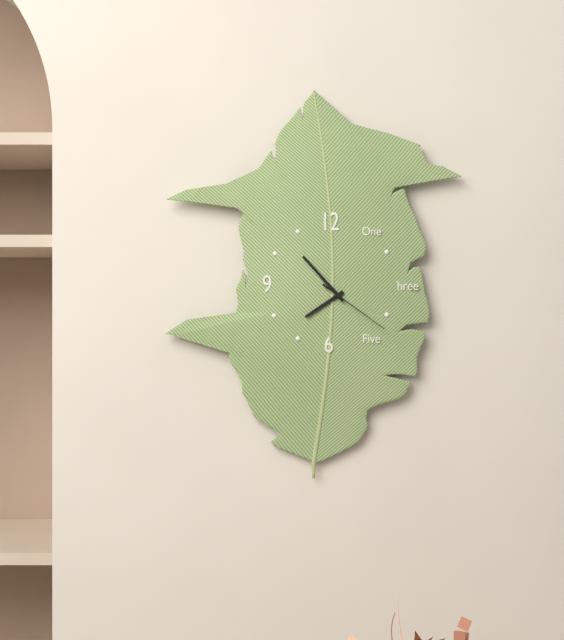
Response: 7:53:21
